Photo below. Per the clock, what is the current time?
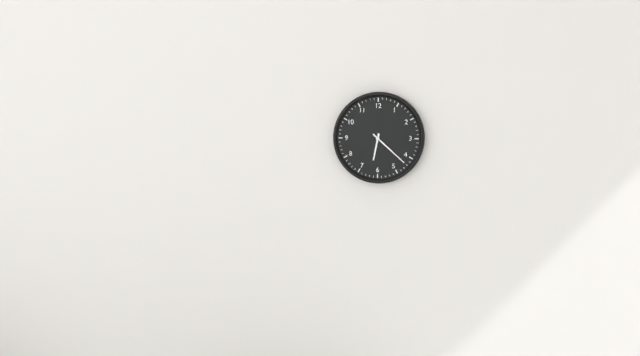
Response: 6:22
